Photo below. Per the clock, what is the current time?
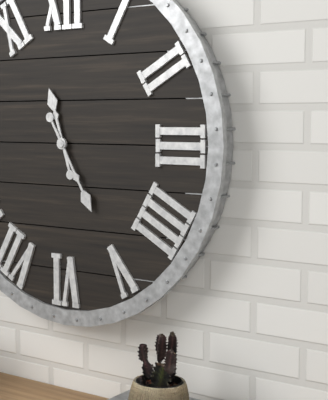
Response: 11:25
